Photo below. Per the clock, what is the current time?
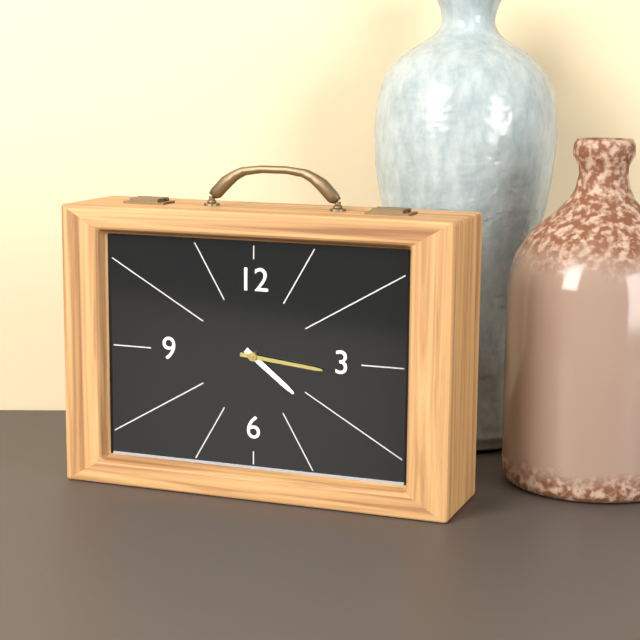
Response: 4:16
